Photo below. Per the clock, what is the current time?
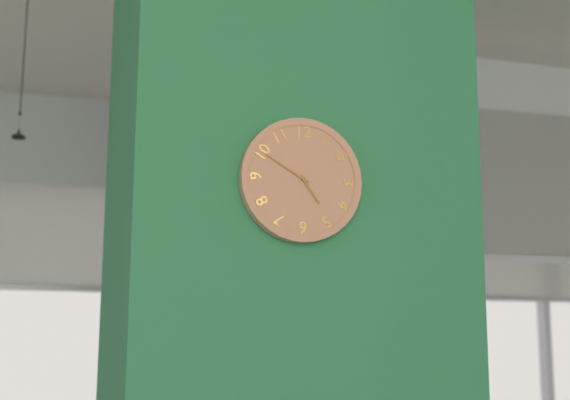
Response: 4:50
